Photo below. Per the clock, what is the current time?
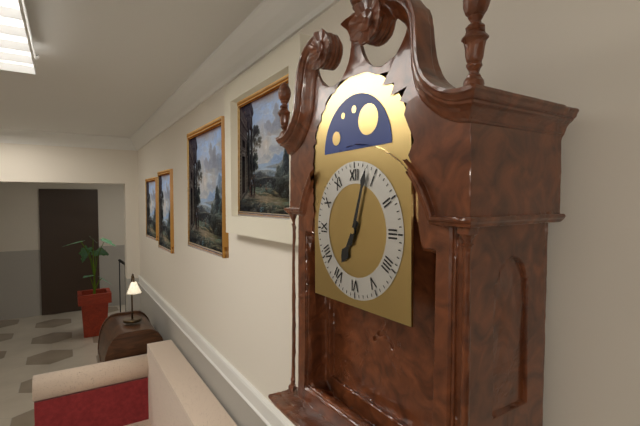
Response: 7:03
